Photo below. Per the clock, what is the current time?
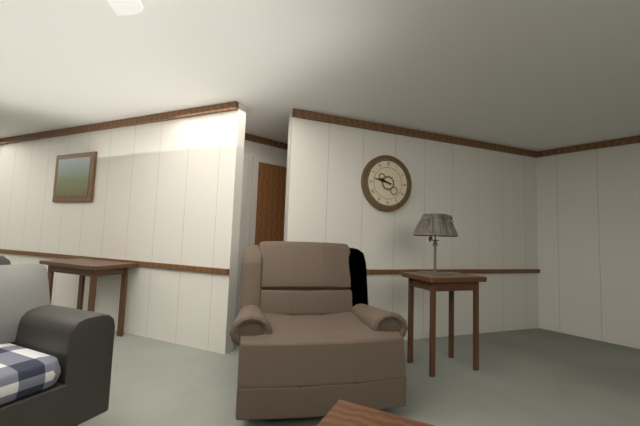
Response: 9:47
